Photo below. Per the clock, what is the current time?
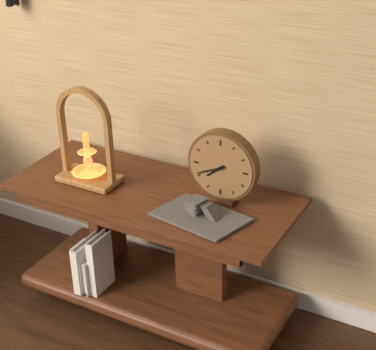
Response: 7:41
